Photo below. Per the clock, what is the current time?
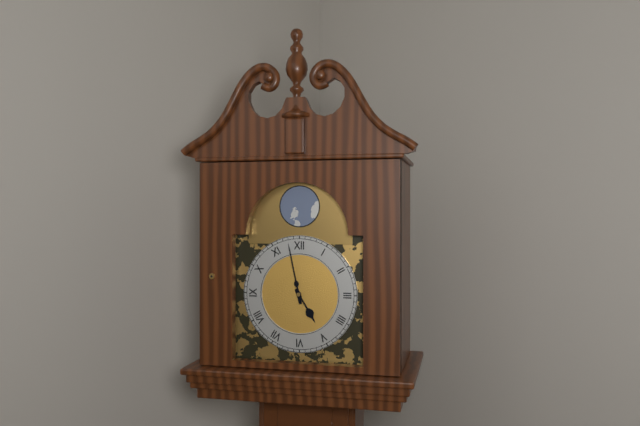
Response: 4:58
